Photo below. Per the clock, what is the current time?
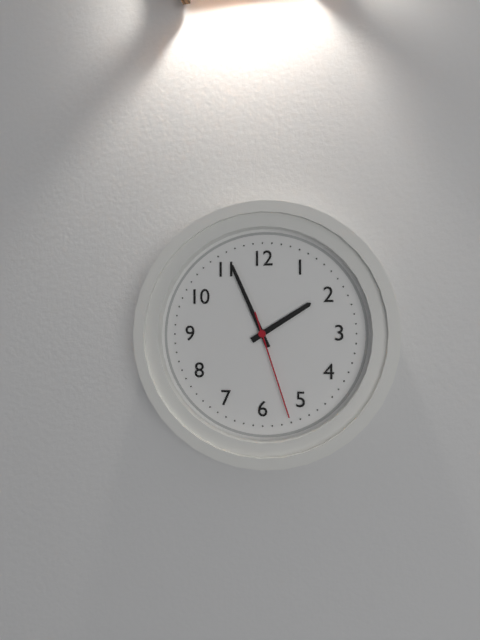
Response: 1:56:27
